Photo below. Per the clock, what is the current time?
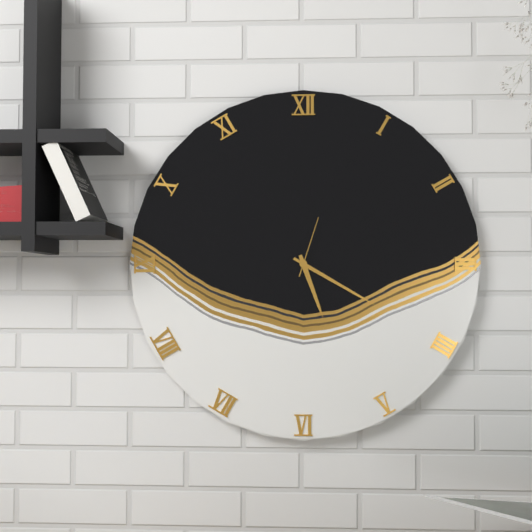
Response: 5:20:03
